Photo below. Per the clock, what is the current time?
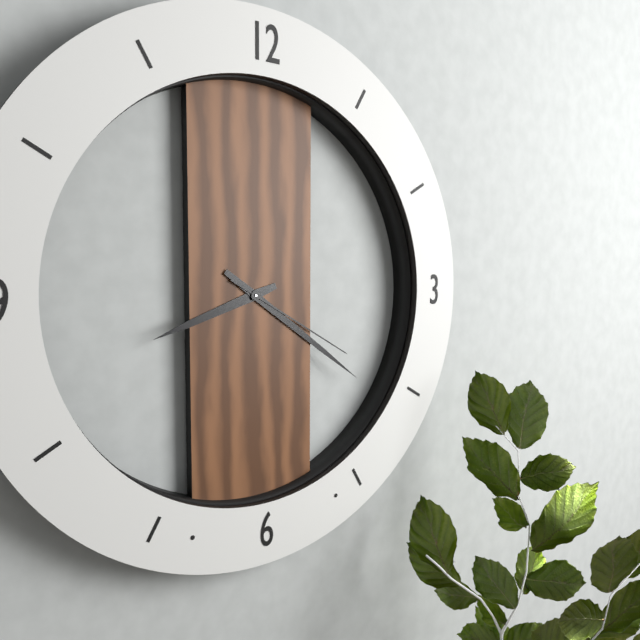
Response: 8:21:20
